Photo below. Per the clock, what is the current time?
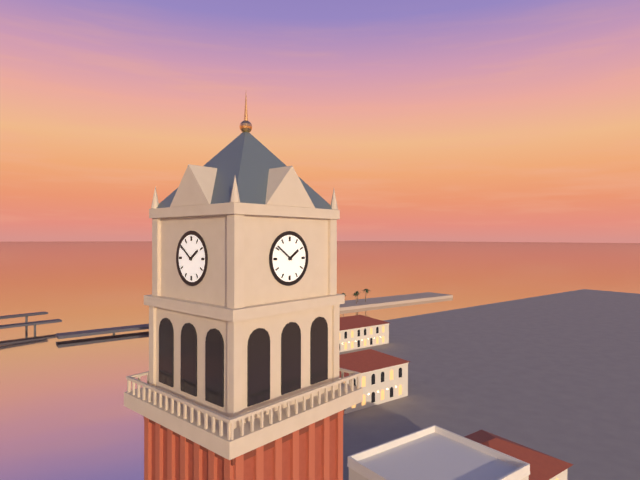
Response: 1:51
